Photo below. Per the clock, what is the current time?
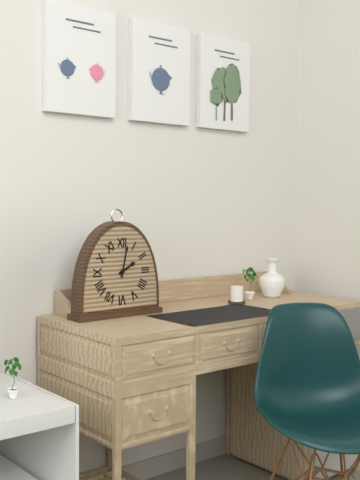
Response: 2:02
